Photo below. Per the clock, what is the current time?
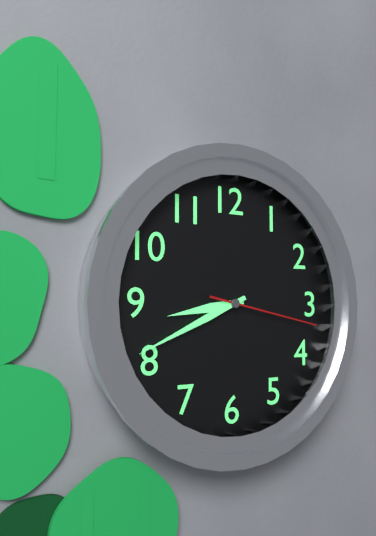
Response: 8:41:17
